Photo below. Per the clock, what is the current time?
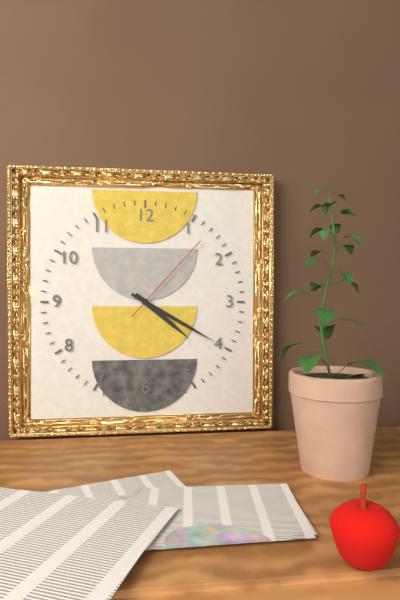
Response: 4:20:07
